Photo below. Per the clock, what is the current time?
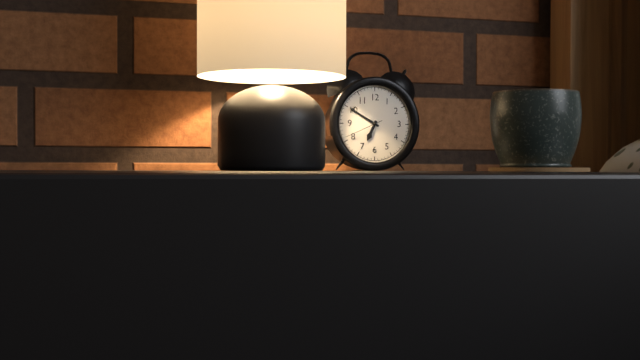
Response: 6:50
